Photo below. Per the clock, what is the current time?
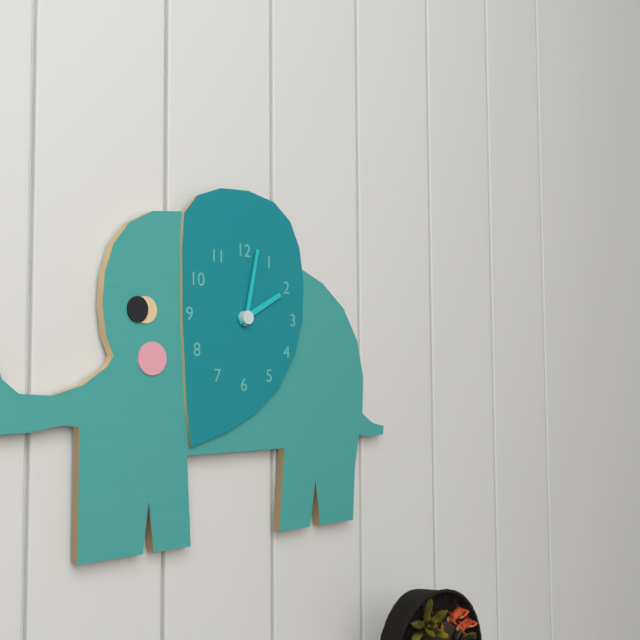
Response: 2:02
